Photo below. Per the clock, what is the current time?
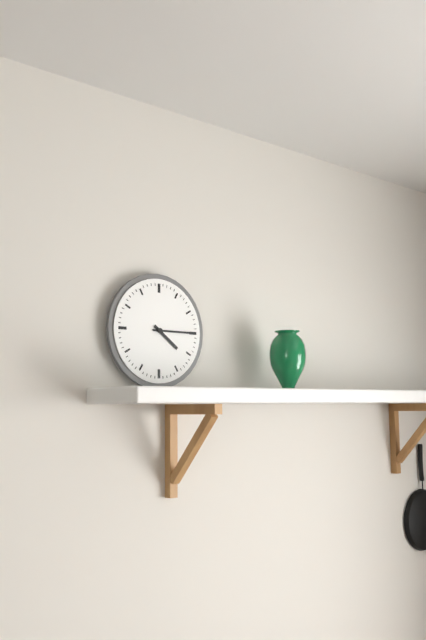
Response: 4:15
